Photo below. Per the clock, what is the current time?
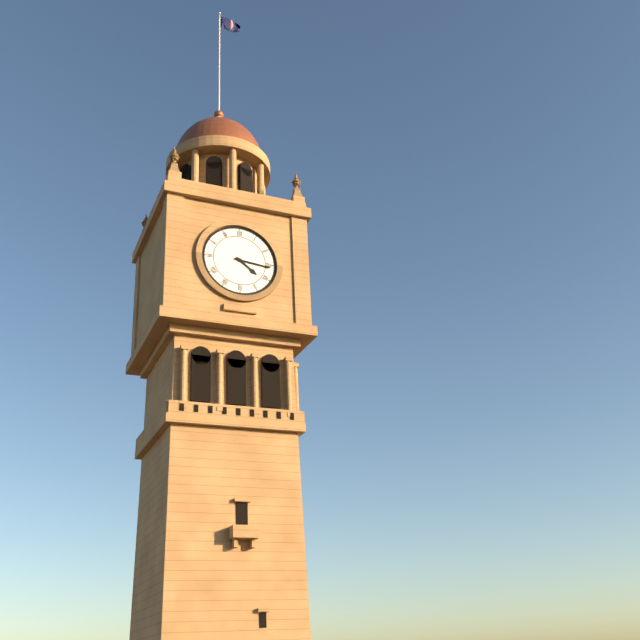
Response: 4:16
